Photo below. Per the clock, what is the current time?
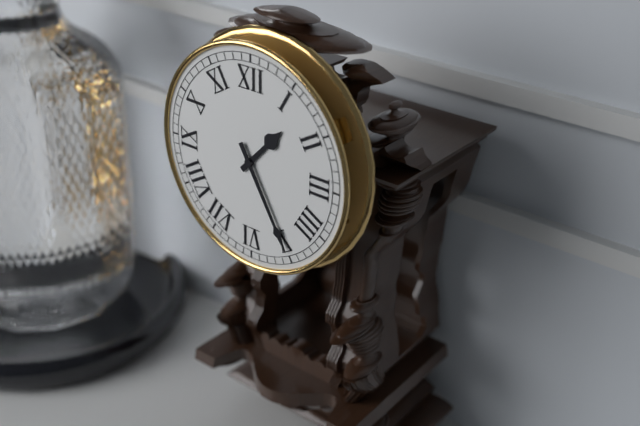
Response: 1:25
